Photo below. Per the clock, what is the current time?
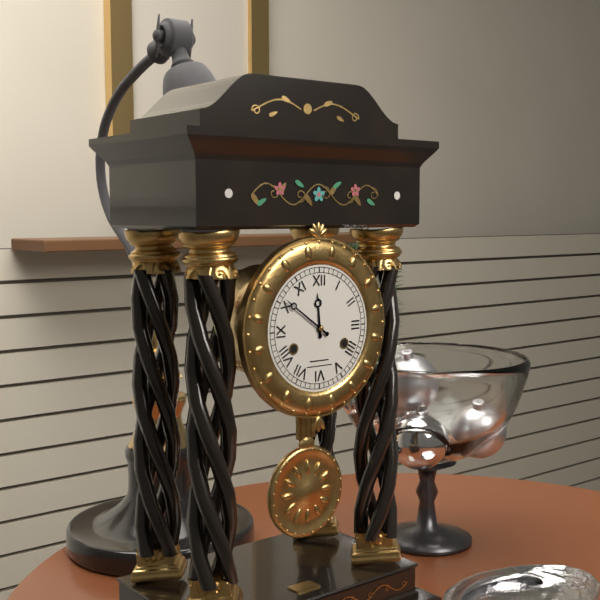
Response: 11:51
